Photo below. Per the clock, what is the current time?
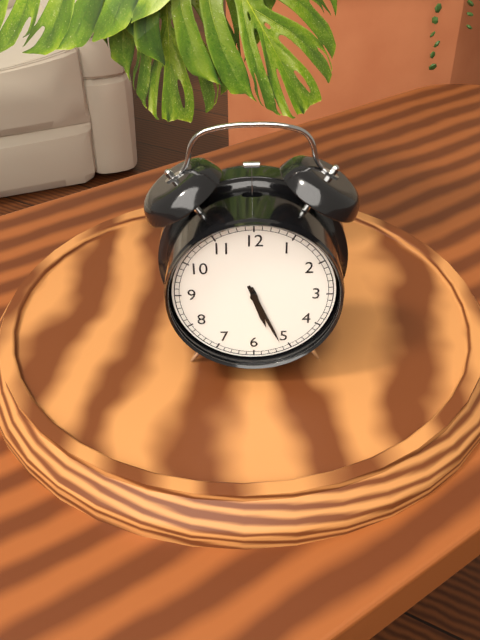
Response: 5:26
